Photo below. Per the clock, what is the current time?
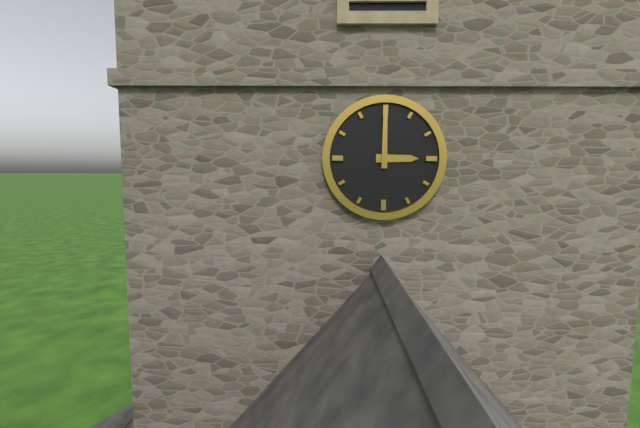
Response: 3:00
